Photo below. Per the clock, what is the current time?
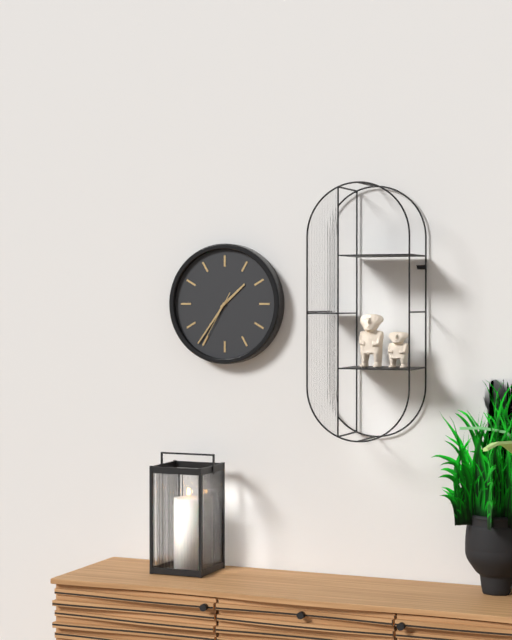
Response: 1:36:35
